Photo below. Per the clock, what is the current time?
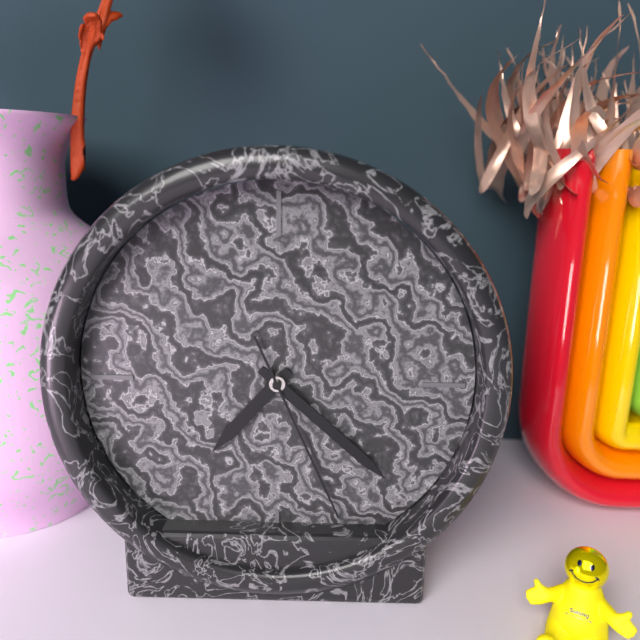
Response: 7:22:26
